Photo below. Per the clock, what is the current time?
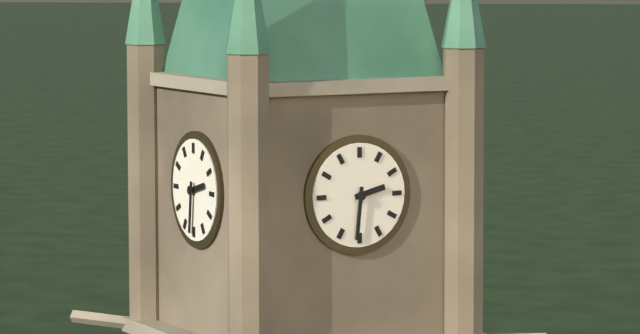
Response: 2:31
